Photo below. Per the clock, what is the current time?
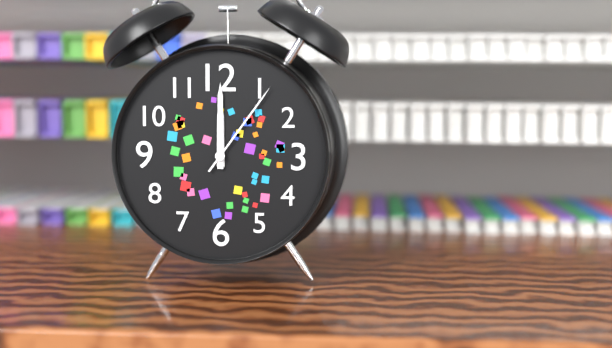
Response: 12:00:06
